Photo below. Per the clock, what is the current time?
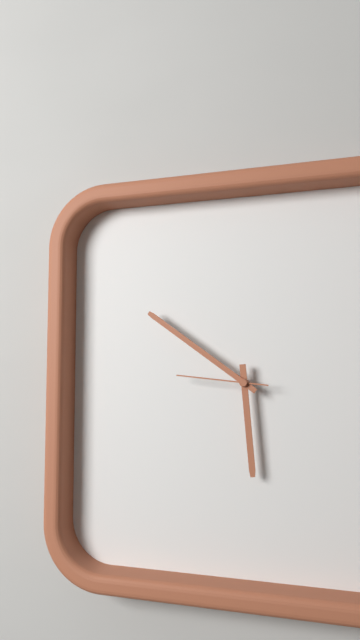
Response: 5:51:46
